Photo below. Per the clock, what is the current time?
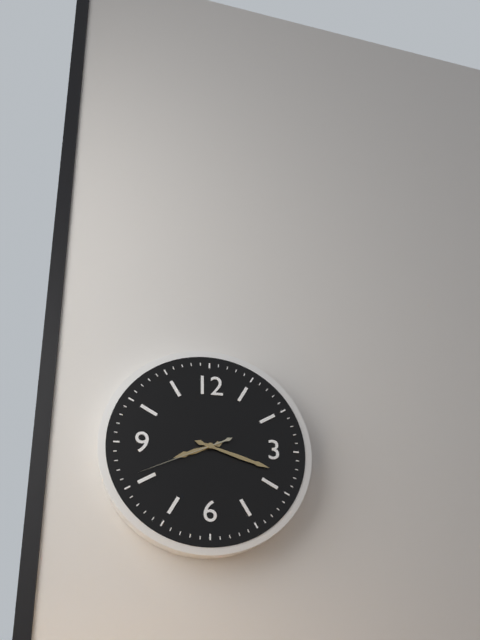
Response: 8:18:41
